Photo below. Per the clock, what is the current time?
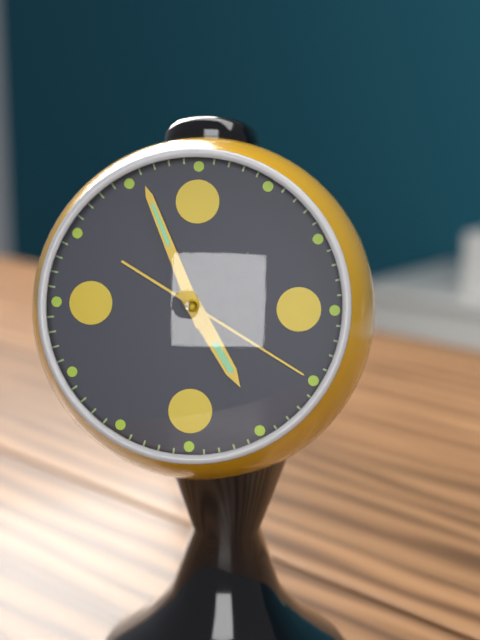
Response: 4:56:20
